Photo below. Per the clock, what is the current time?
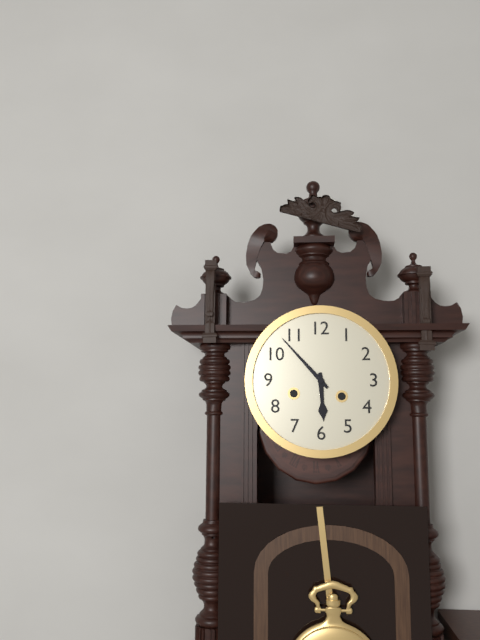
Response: 5:53
